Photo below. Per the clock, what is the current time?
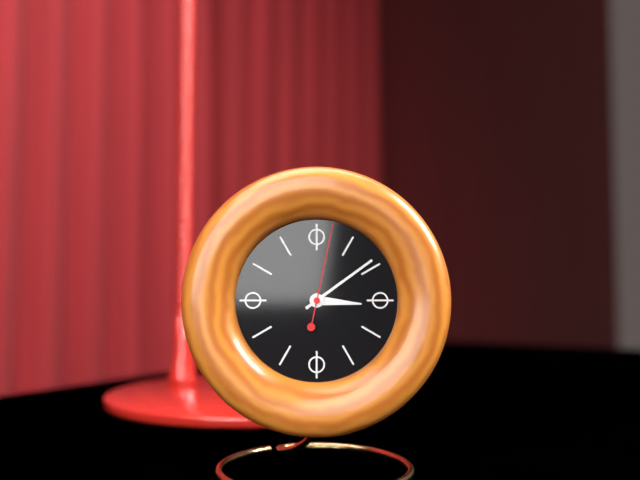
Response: 3:09:02
